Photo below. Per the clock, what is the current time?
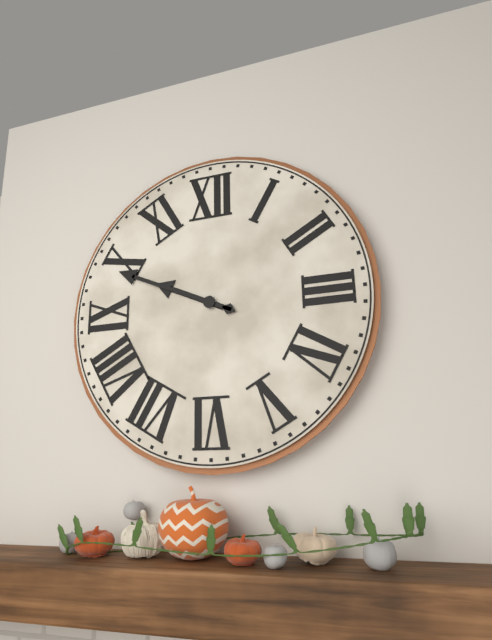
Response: 9:49
